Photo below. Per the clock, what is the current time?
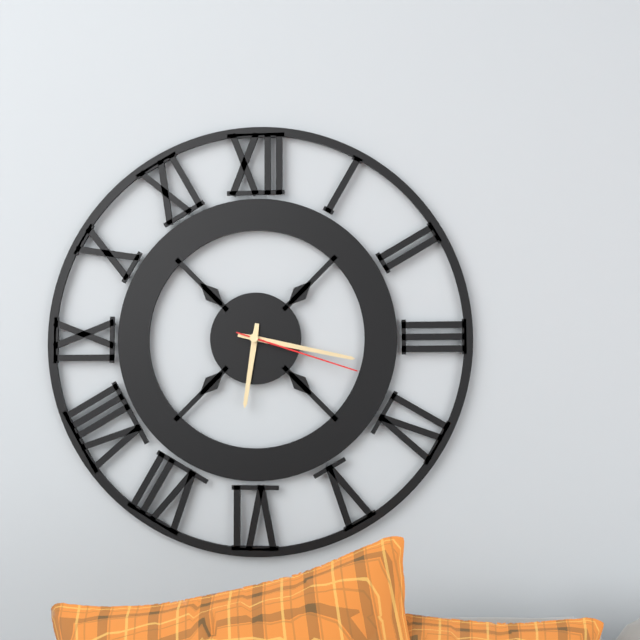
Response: 6:17:18
